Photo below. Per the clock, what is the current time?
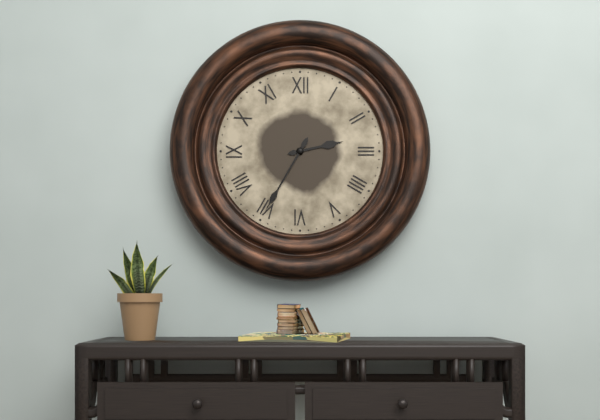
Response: 2:35
